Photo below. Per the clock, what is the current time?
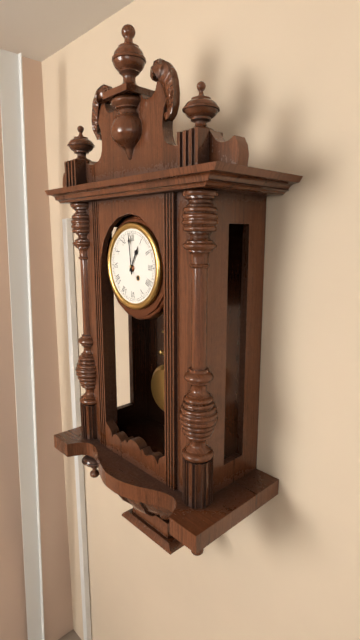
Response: 12:59
